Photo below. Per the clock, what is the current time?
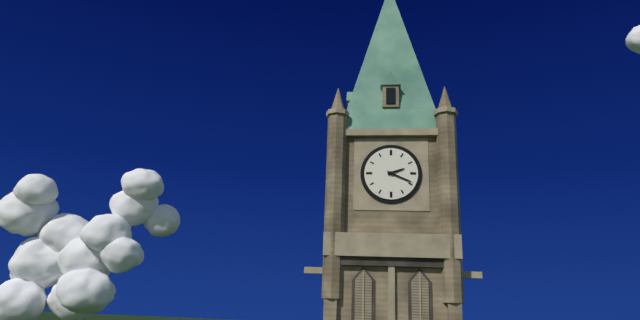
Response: 2:19
